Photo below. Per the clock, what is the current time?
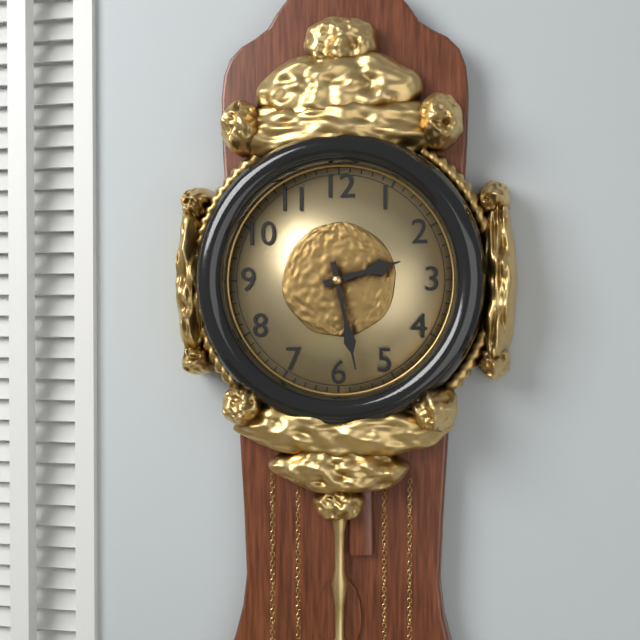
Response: 2:28
